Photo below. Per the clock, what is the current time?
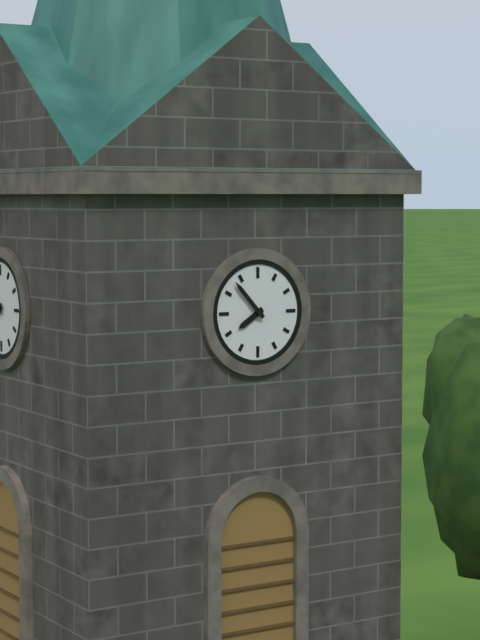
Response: 7:53
